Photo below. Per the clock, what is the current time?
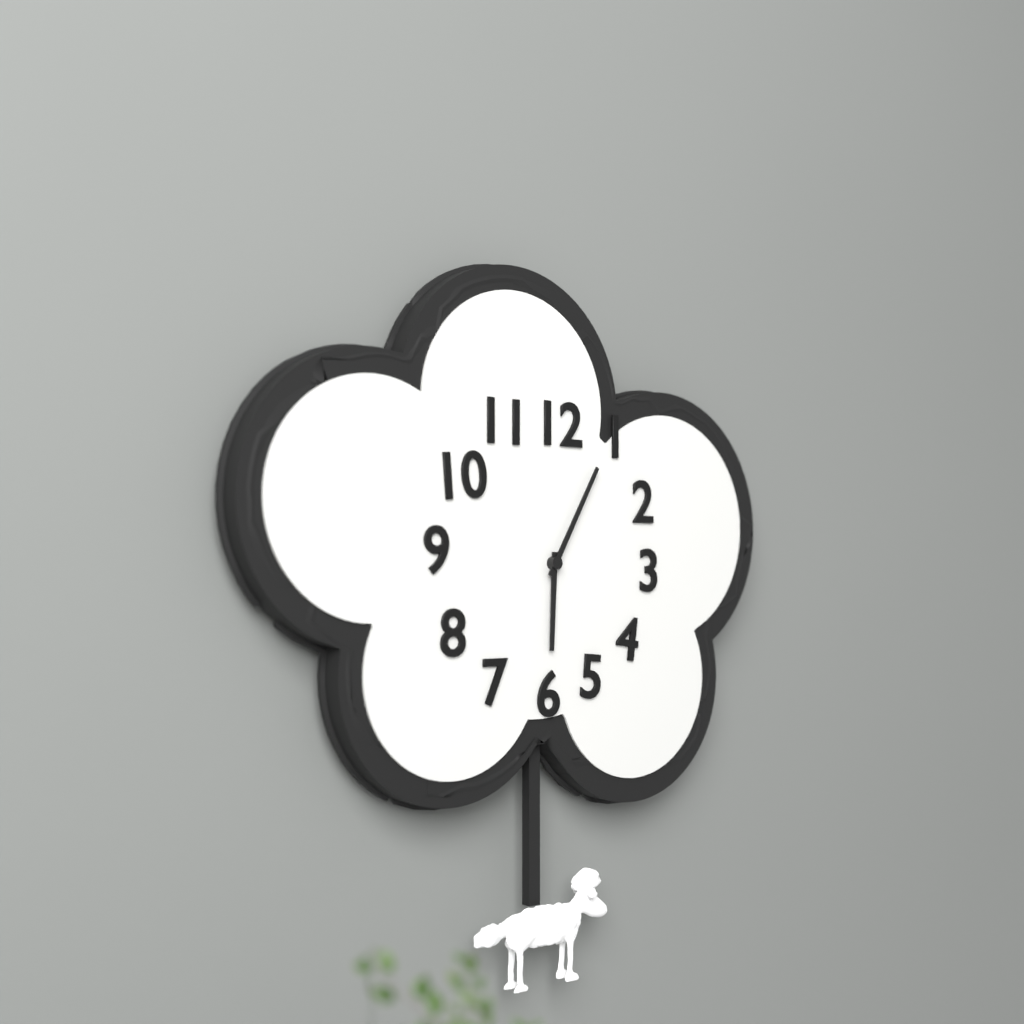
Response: 6:05
